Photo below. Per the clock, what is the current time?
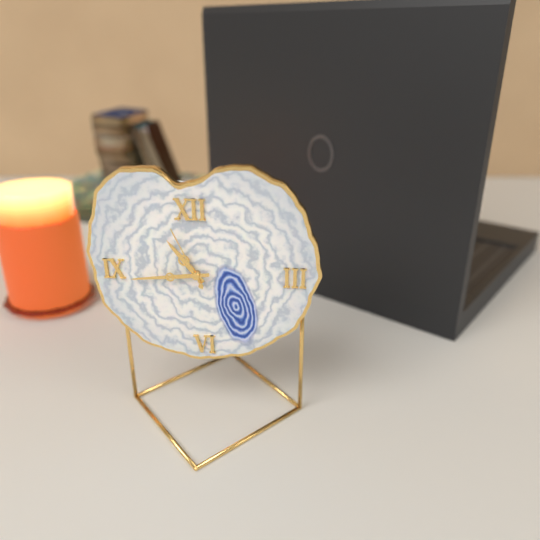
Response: 10:44:56
